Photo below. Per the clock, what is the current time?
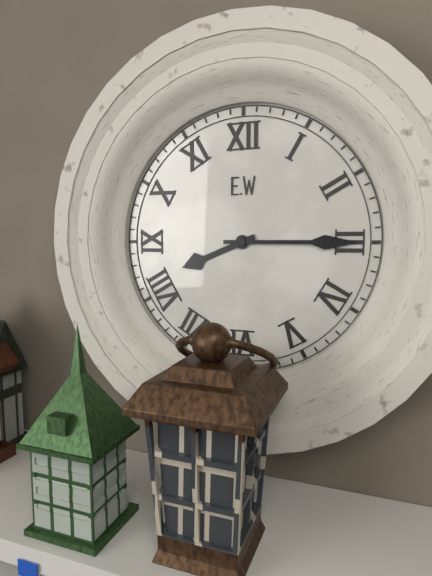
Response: 8:15
